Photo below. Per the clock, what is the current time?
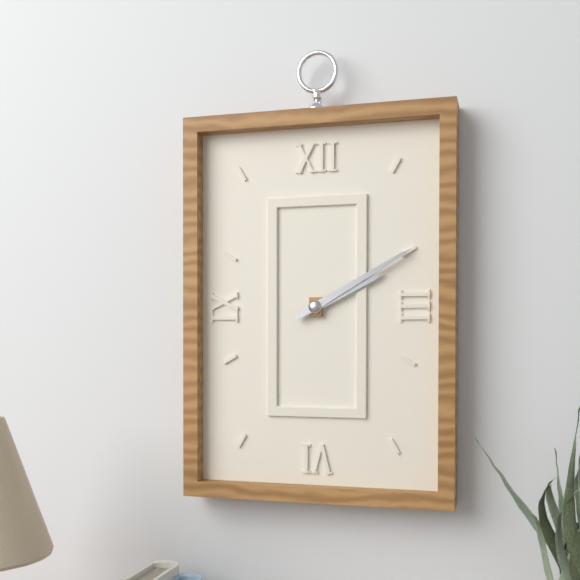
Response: 2:10
